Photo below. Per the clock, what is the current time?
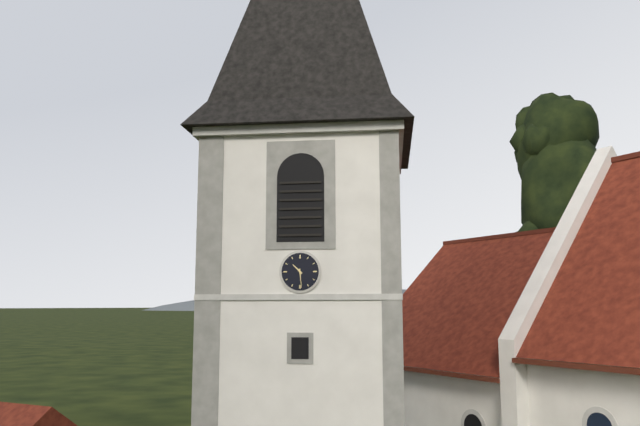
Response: 10:29
